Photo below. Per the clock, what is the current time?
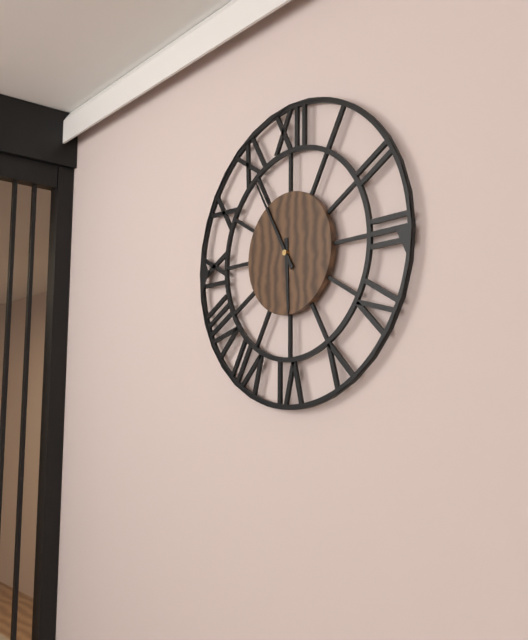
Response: 5:55
